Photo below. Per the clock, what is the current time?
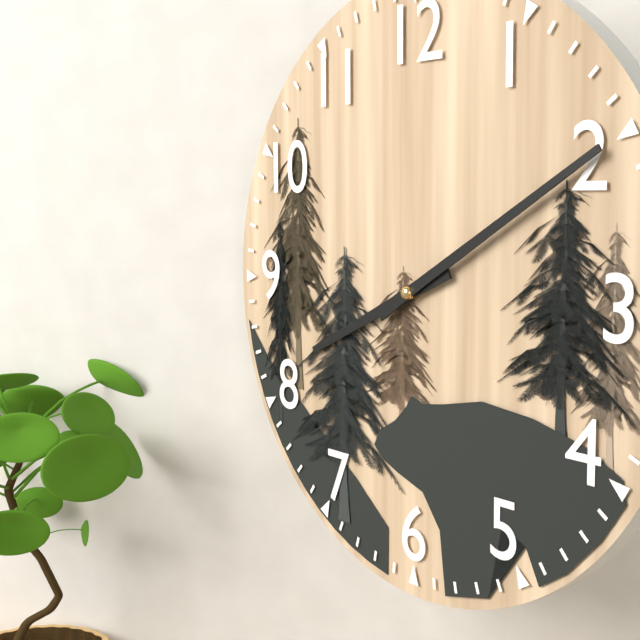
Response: 8:10
